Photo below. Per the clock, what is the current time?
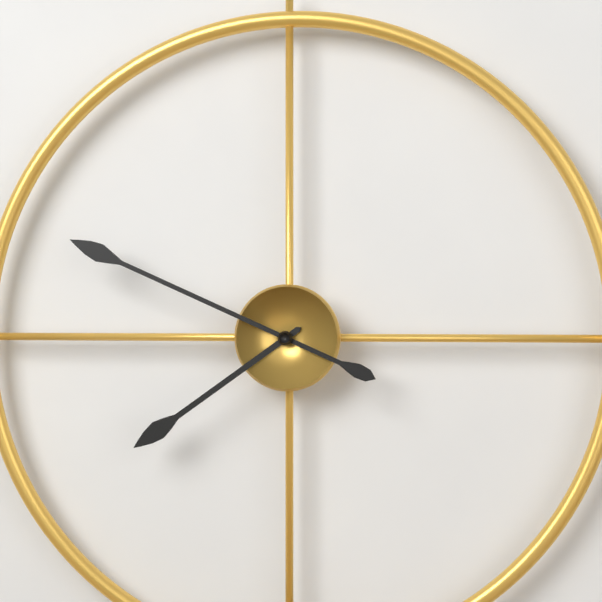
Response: 7:49
